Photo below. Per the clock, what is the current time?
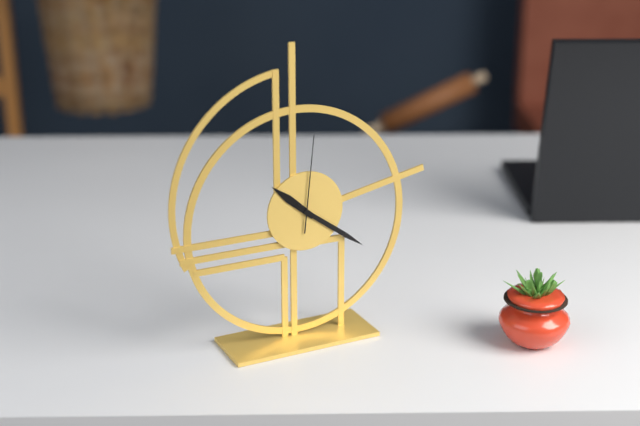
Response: 10:21:01
